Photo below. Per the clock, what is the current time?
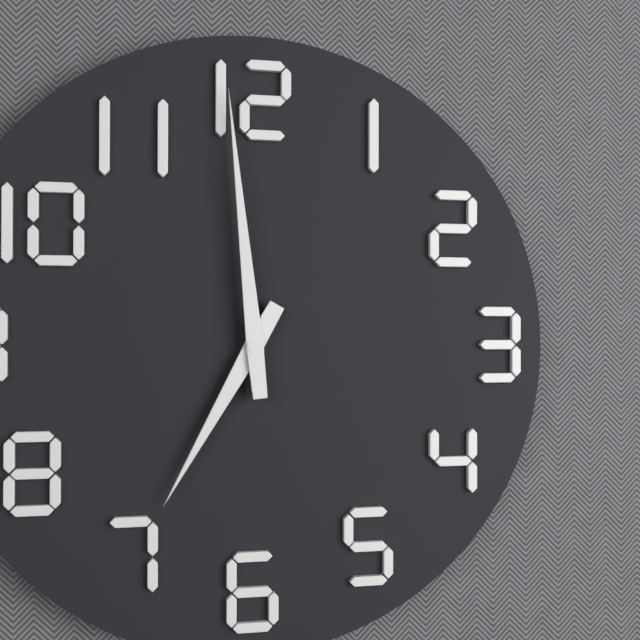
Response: 6:59
